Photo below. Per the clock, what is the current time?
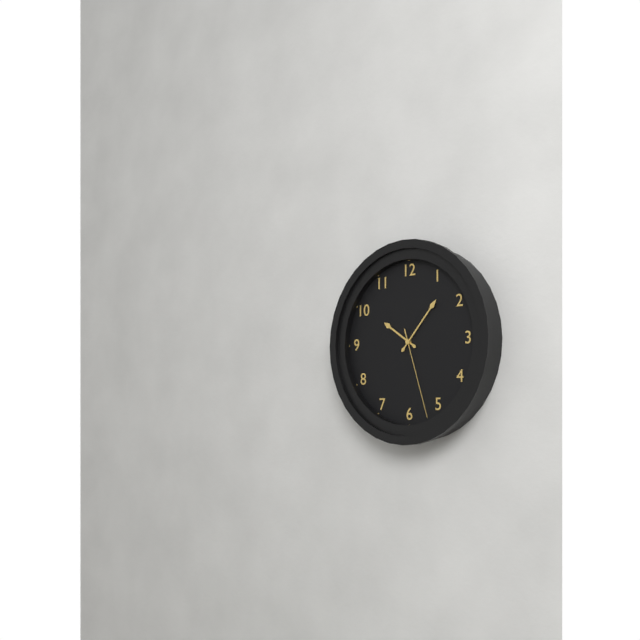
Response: 10:07:27
